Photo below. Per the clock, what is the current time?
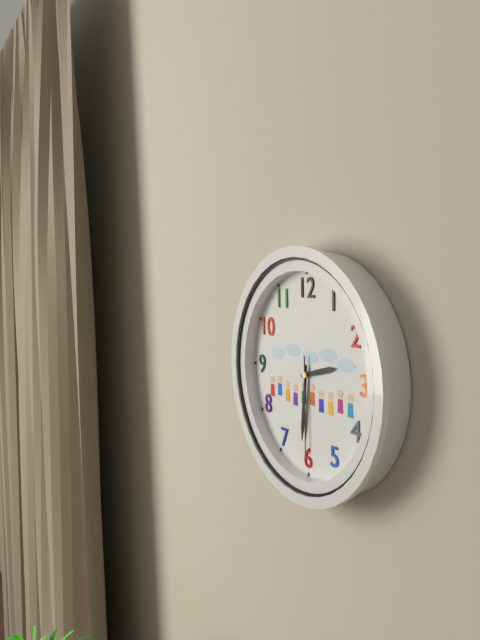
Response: 2:31:30
